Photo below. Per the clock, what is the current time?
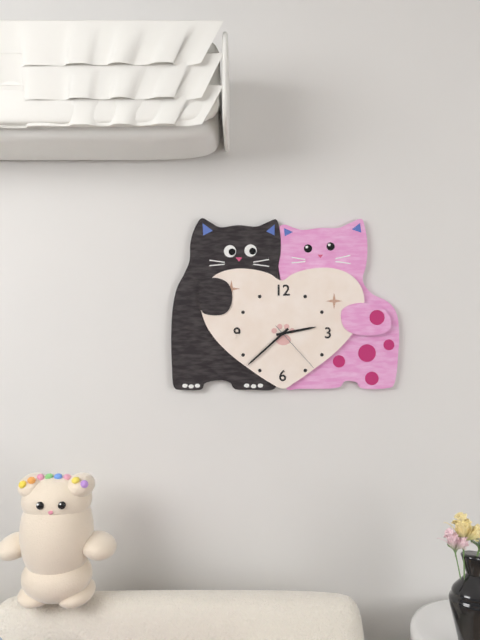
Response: 2:38:23
